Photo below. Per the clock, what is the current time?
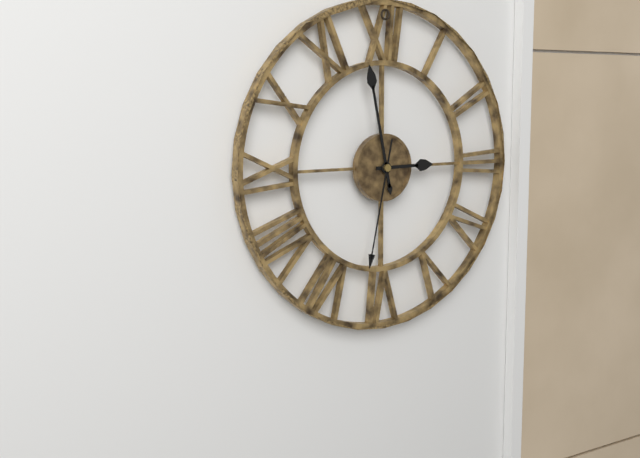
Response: 2:58:32
